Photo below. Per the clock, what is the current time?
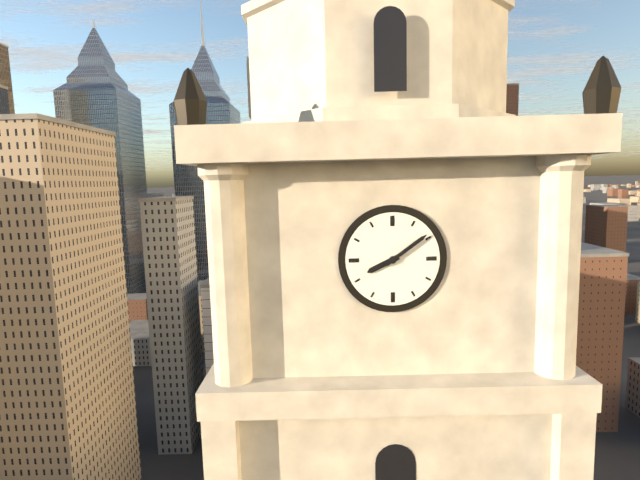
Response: 8:09
